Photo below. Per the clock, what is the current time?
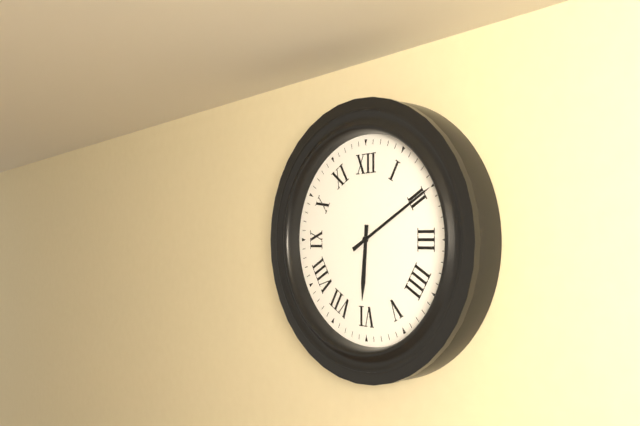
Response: 6:10
